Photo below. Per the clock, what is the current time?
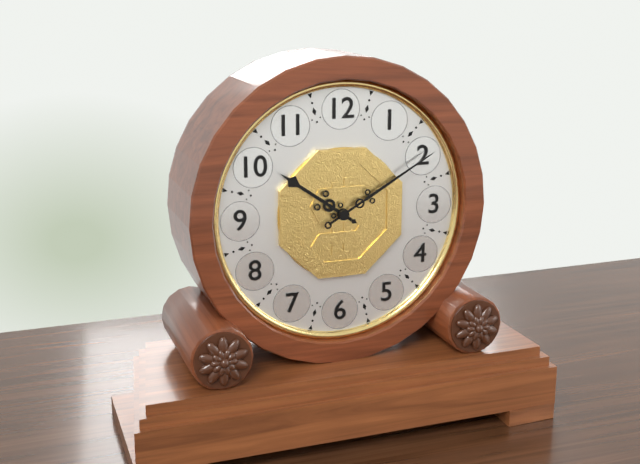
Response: 10:10
